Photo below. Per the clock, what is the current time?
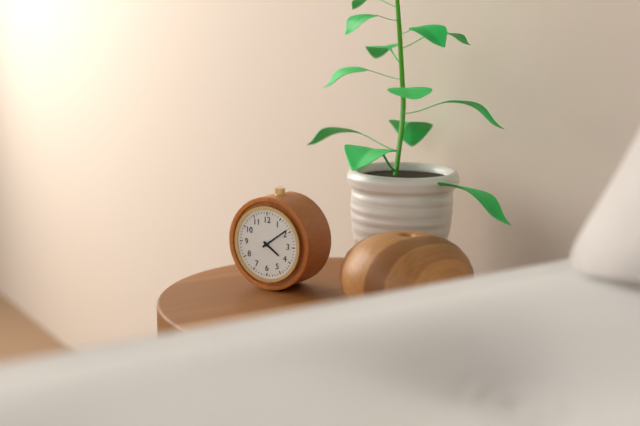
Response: 4:09
